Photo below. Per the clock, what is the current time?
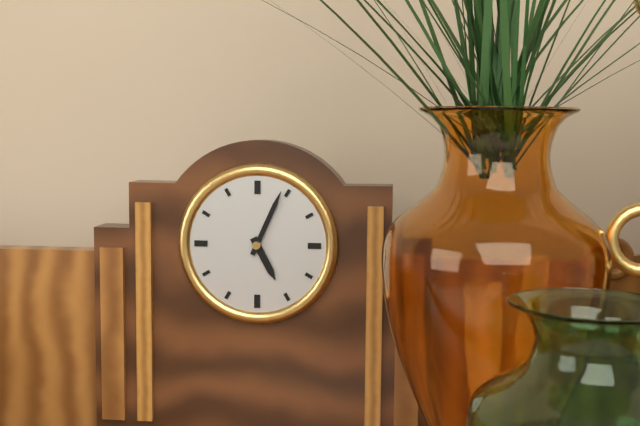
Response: 5:04
